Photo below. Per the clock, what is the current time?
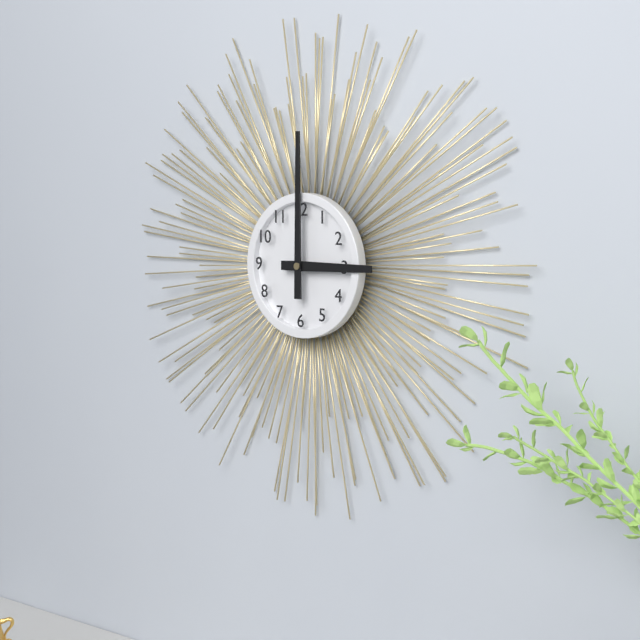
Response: 3:00
